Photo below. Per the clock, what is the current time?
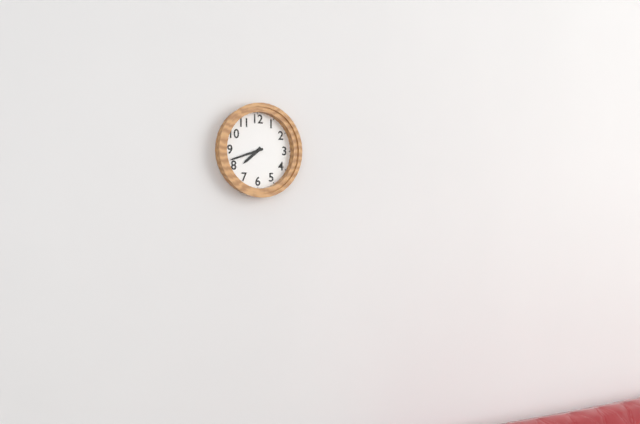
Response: 7:42
